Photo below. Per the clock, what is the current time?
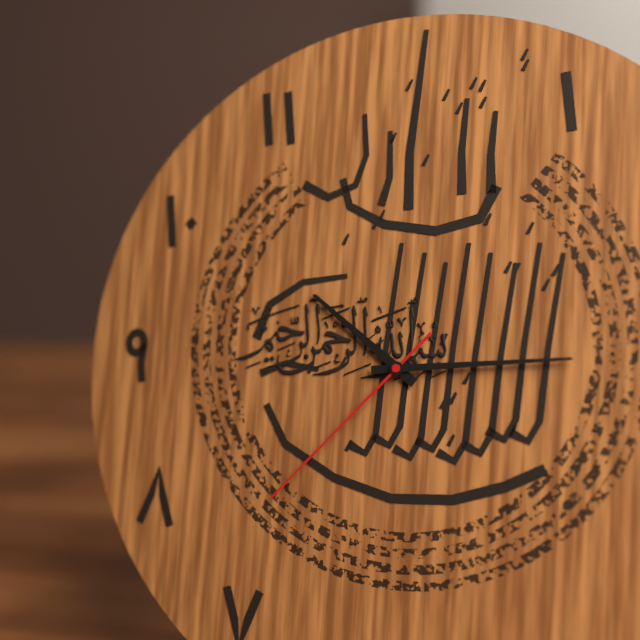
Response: 10:14:37
